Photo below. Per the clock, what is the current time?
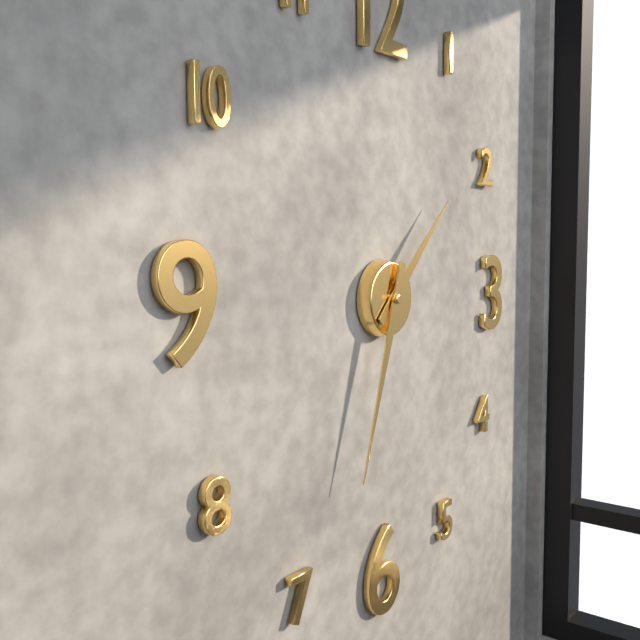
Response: 1:33
